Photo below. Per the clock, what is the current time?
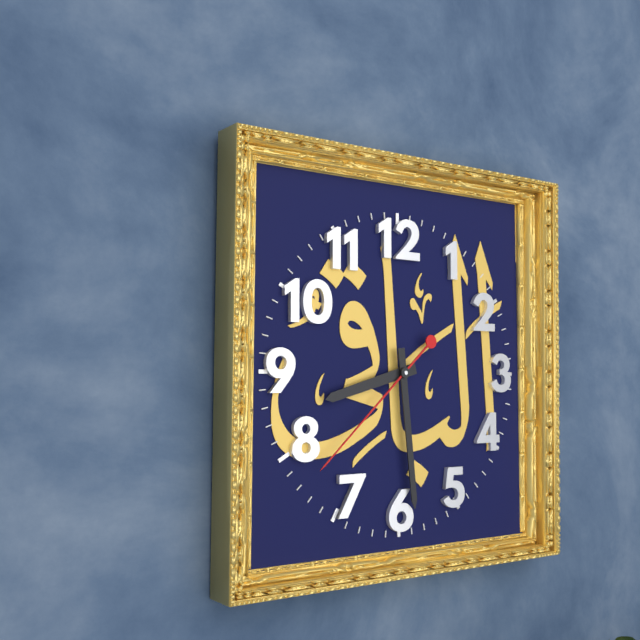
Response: 8:29:38
